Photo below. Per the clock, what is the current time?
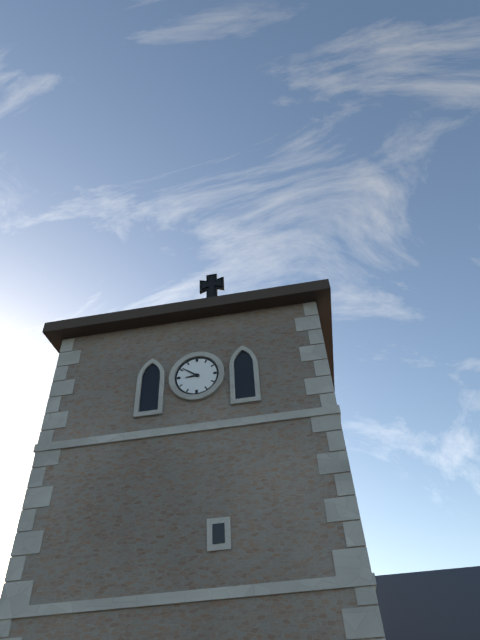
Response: 8:51
